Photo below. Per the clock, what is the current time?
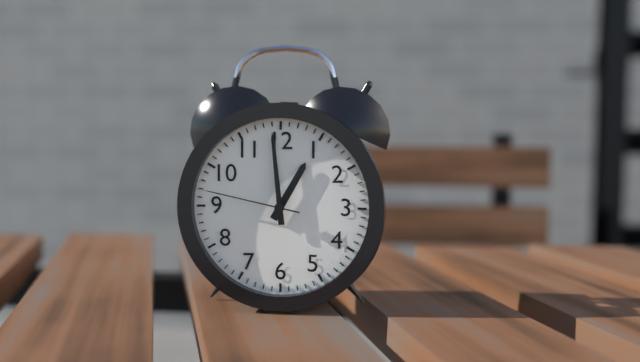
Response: 12:59:47
